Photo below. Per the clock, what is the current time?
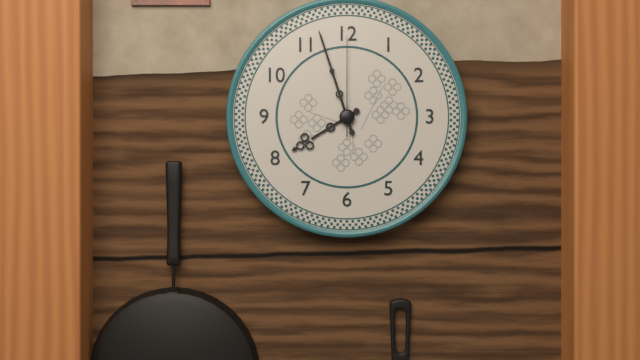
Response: 7:57:00
